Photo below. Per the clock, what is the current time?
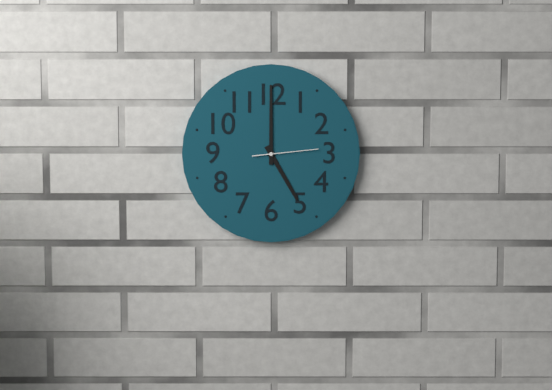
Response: 5:00:14
